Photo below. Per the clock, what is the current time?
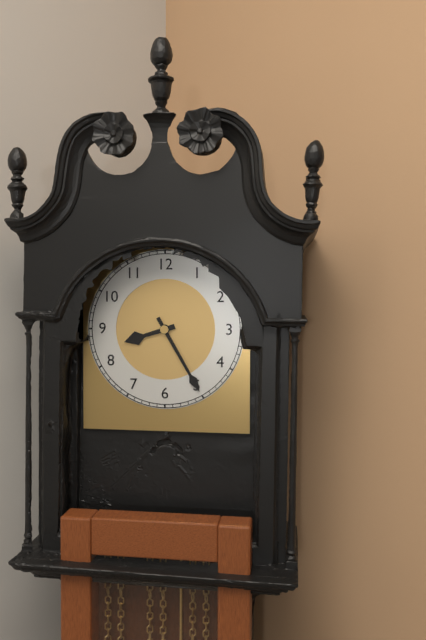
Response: 8:25
